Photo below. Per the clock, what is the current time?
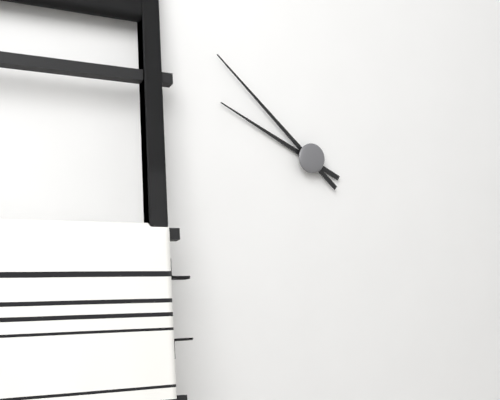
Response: 9:52
